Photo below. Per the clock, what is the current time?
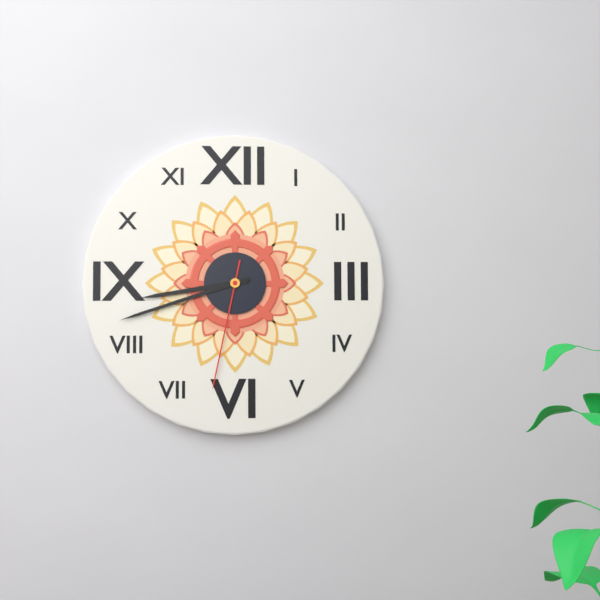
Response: 8:42:32
